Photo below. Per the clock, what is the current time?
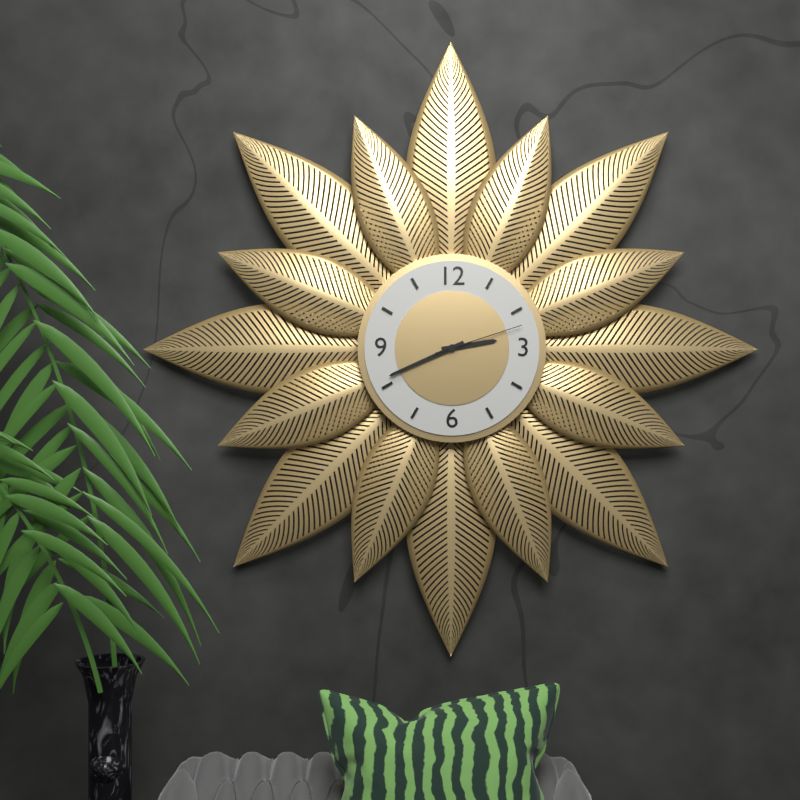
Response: 2:41:12
